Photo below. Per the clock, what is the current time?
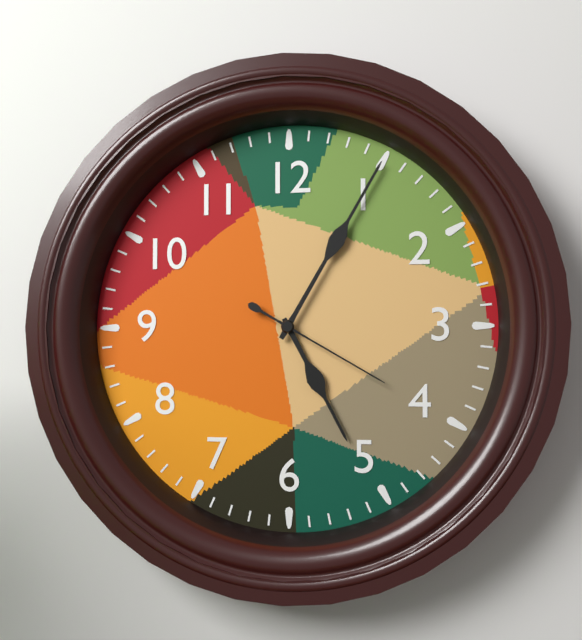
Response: 5:05:20
